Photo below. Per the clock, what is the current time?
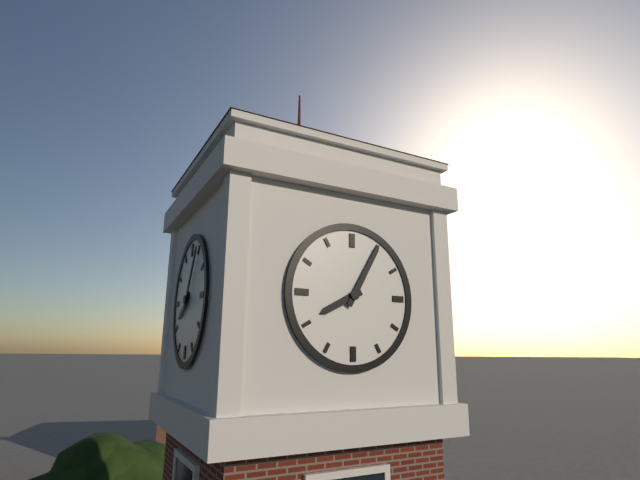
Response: 8:05
